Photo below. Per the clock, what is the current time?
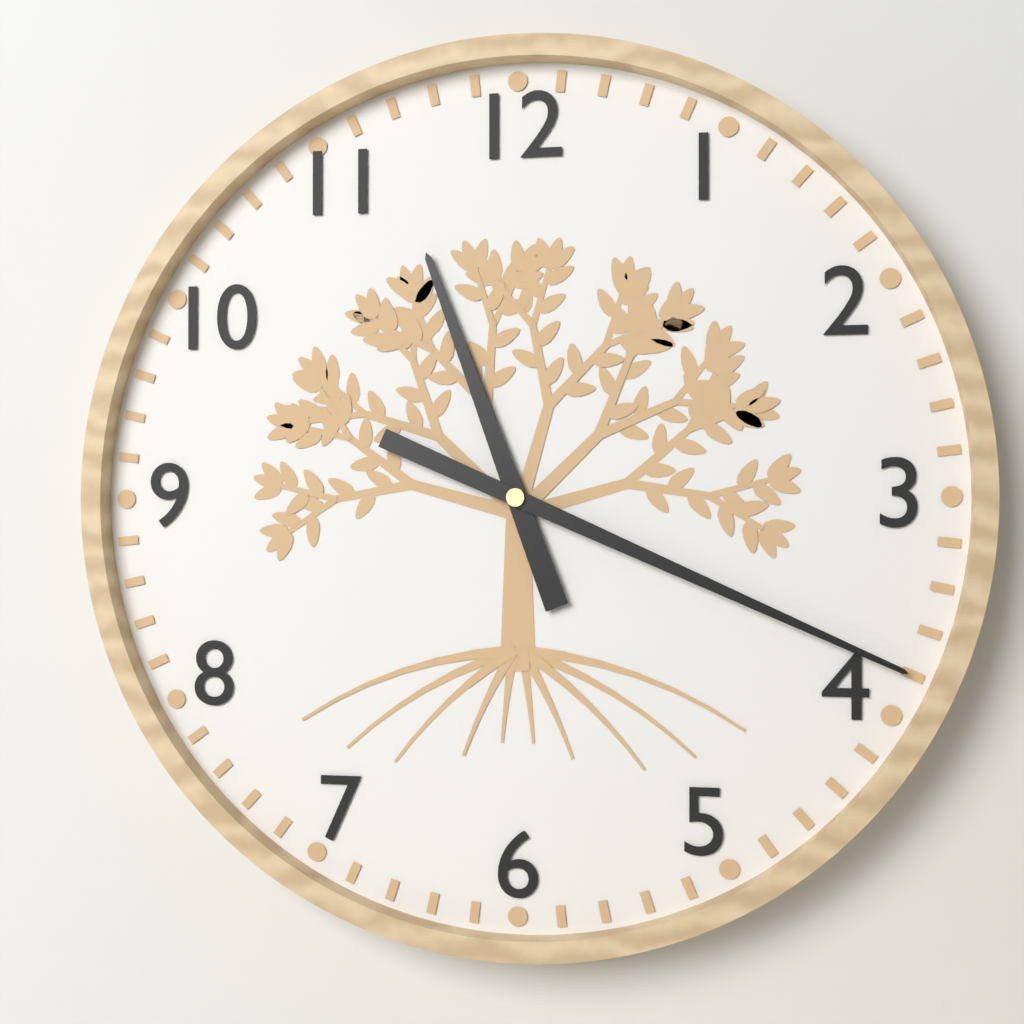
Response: 11:19
